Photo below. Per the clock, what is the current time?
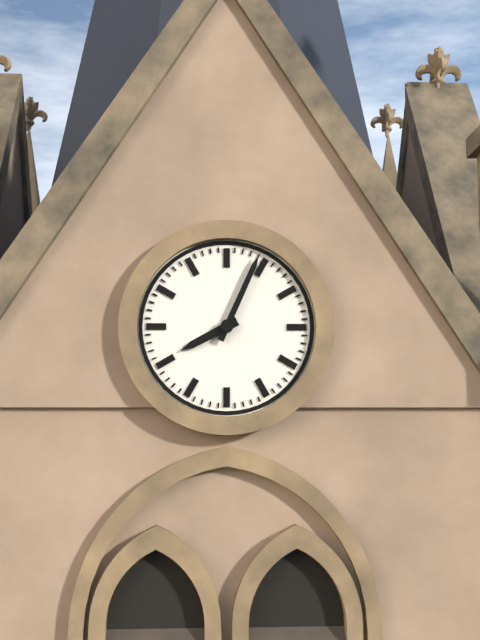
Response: 8:04
